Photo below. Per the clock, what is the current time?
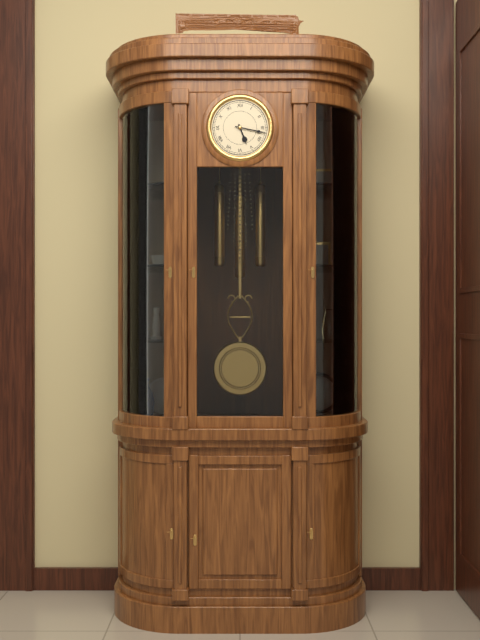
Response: 5:17
